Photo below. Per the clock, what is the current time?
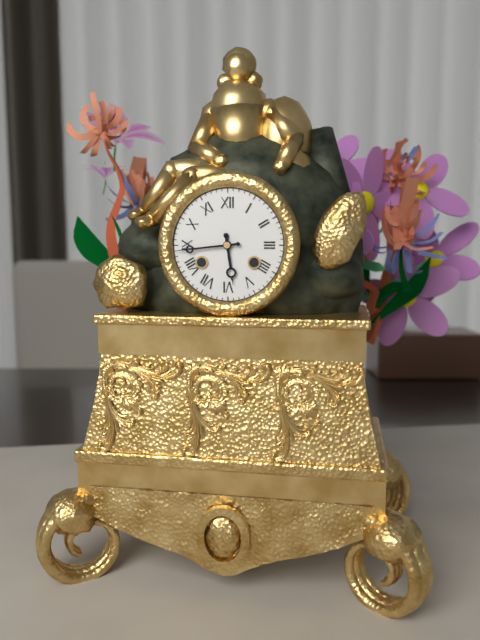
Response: 5:44
